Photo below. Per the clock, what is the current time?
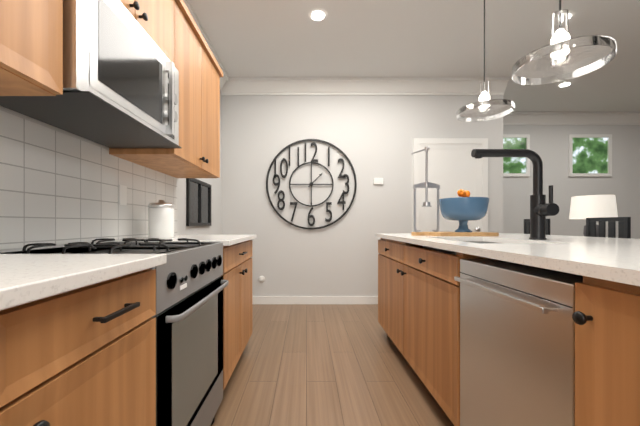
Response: 1:30
